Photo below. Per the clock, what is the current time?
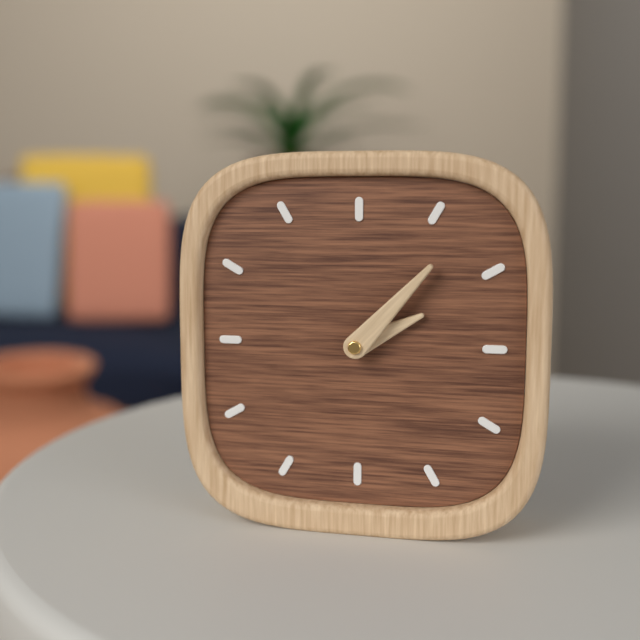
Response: 2:07
